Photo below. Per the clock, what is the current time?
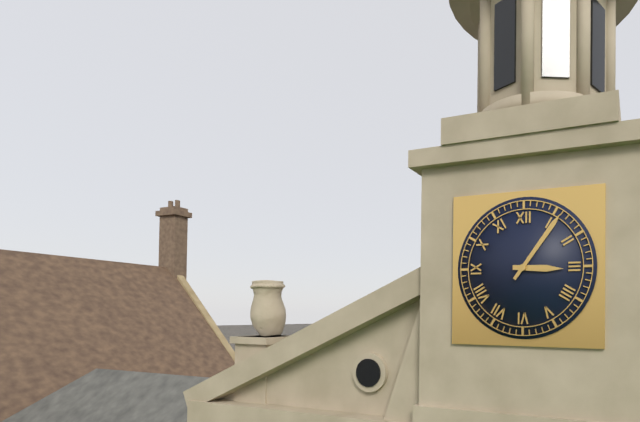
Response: 3:06
